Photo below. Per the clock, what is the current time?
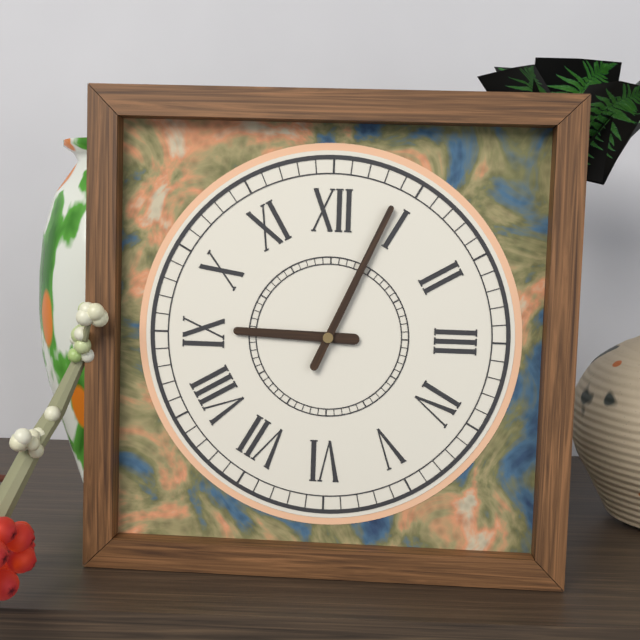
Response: 9:04
